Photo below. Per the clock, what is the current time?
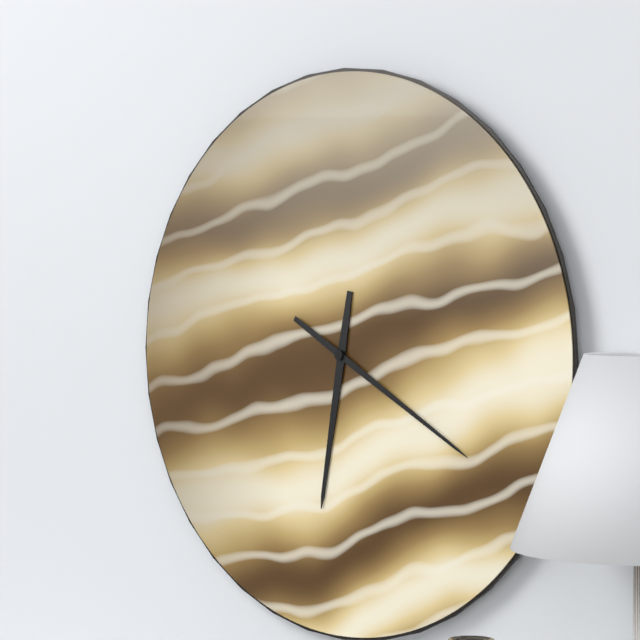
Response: 6:20
